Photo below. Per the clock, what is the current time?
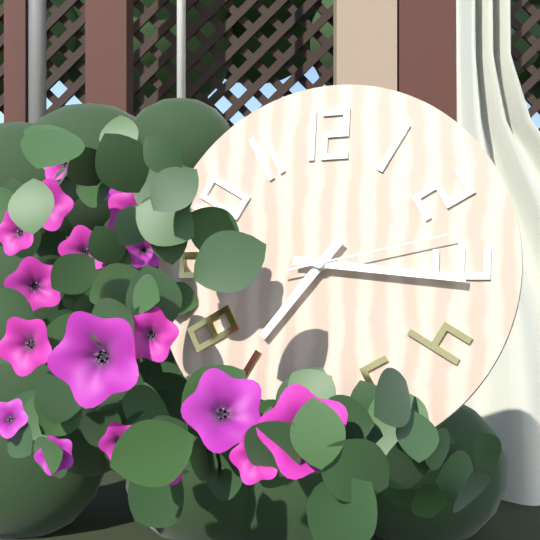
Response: 7:16:13
